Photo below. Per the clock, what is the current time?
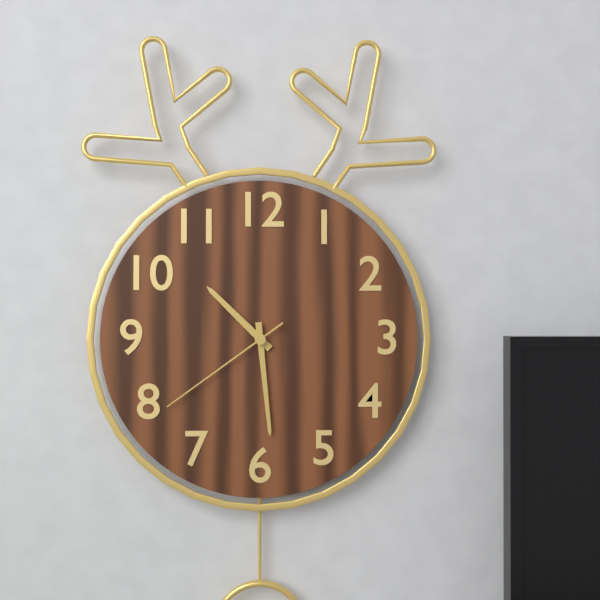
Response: 10:29:39
